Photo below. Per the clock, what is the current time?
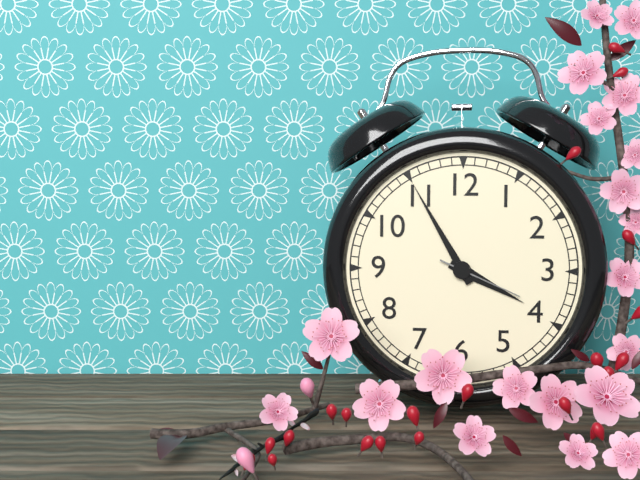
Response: 3:55:19
